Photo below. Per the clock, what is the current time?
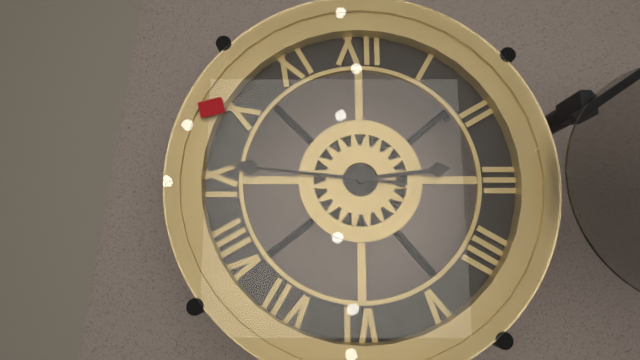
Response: 2:46
